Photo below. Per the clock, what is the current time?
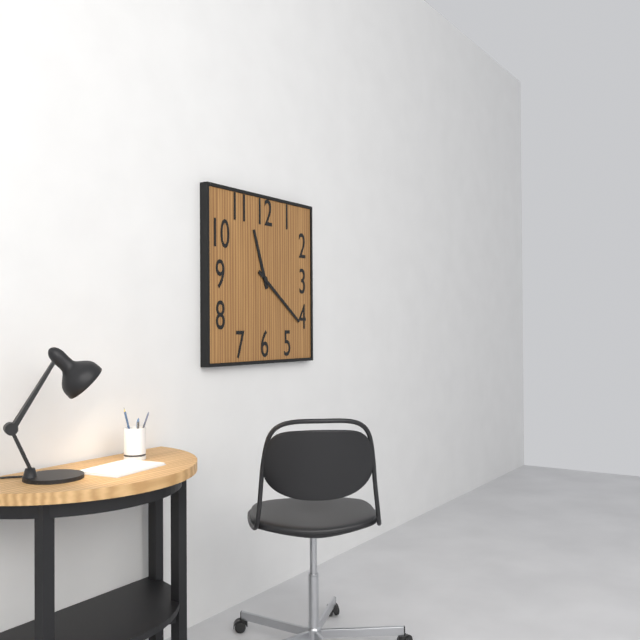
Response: 11:21
